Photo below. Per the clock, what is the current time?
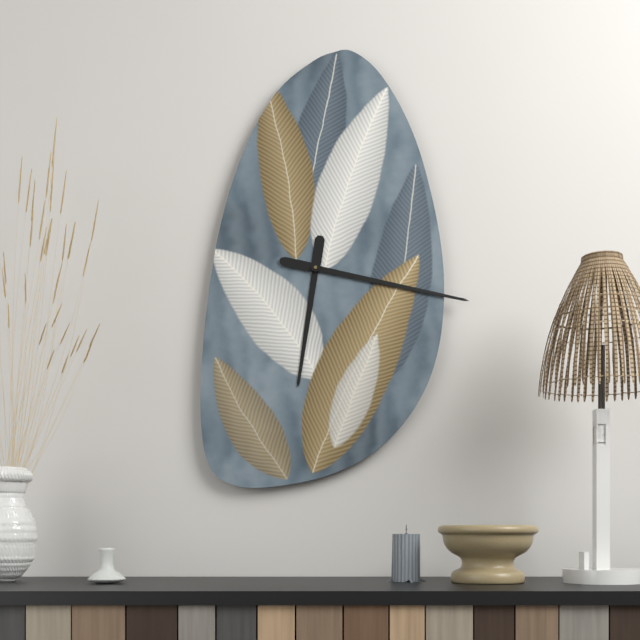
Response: 6:17
